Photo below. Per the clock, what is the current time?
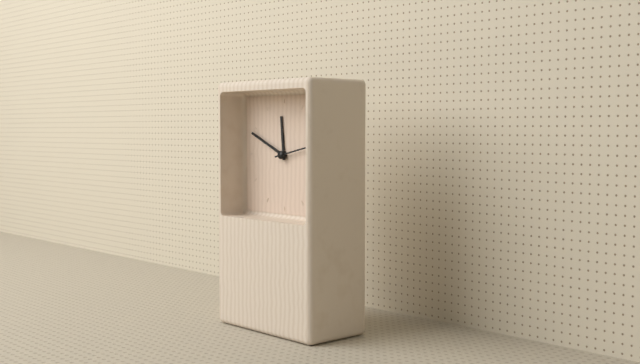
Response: 11:49
